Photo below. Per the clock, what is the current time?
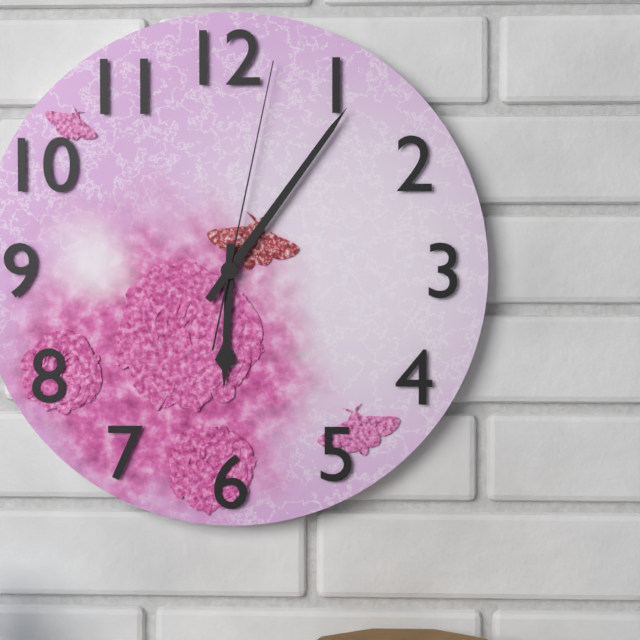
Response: 6:06:02
